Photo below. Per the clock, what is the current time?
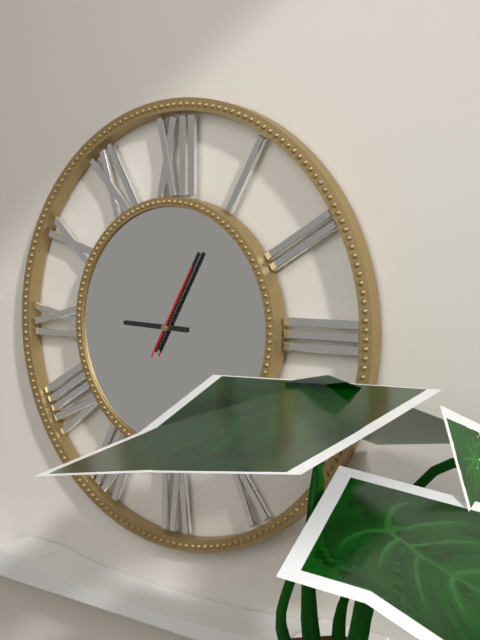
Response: 9:05:05
